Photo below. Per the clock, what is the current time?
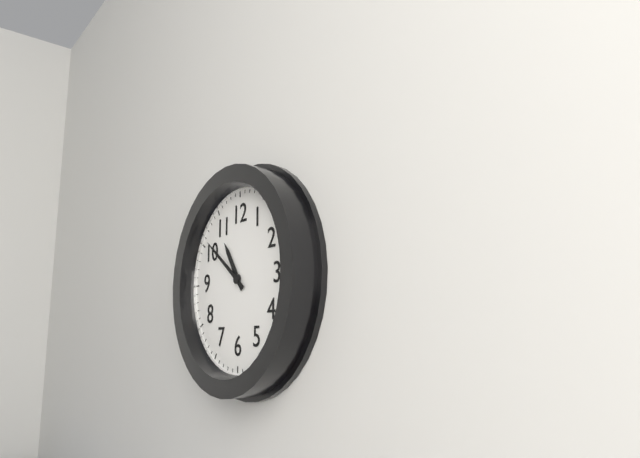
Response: 10:51
